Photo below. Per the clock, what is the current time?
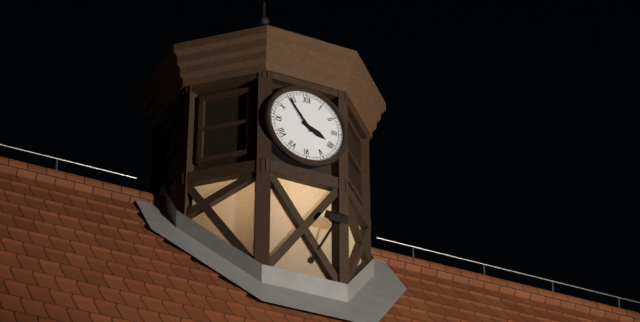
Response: 3:54
